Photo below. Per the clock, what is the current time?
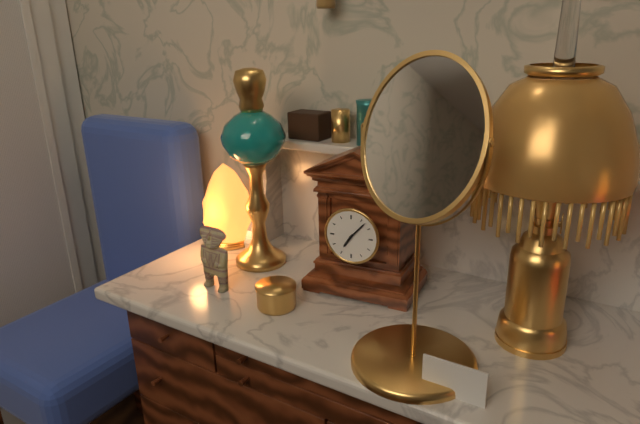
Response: 7:07
